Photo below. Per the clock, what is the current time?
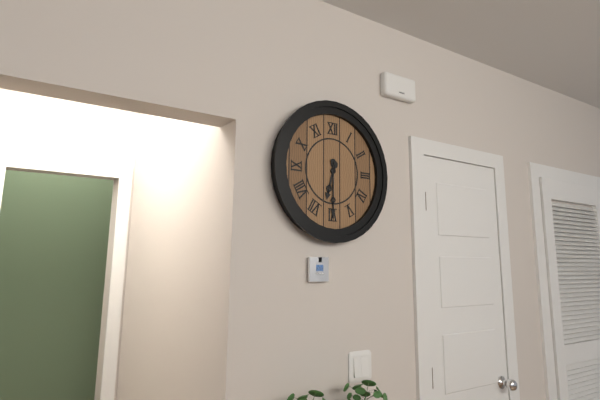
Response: 6:30
